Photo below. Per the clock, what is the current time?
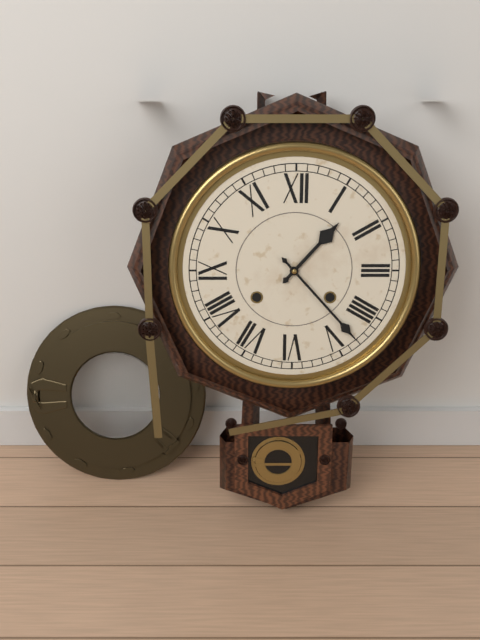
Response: 1:23
